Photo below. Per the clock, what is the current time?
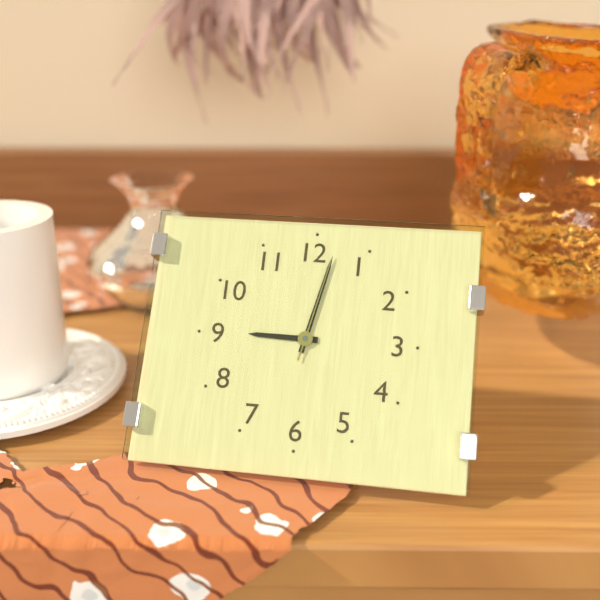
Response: 9:02:02
